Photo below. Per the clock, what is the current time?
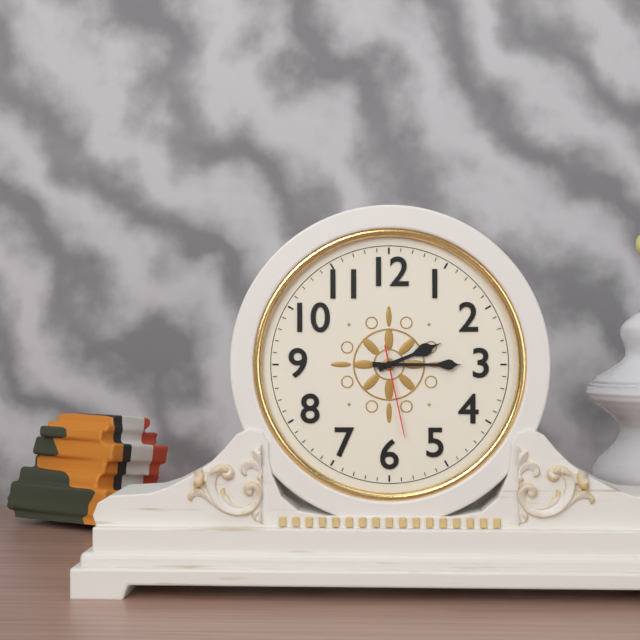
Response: 2:15:28
